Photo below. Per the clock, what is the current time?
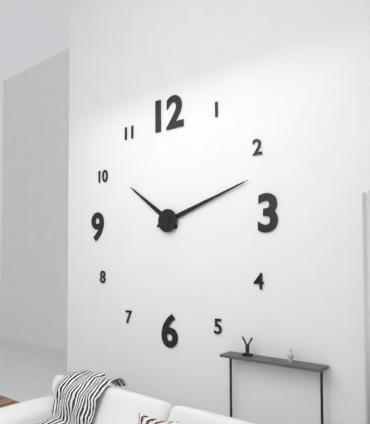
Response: 10:12
